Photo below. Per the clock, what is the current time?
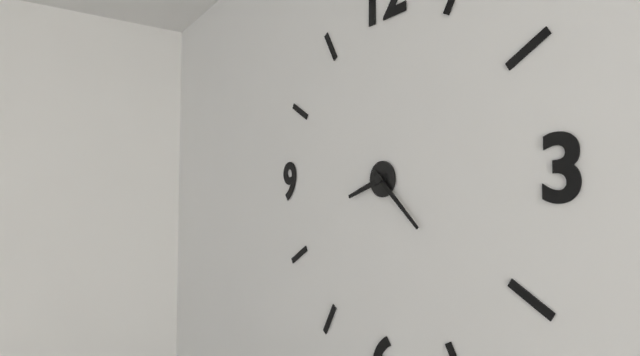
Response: 8:22
